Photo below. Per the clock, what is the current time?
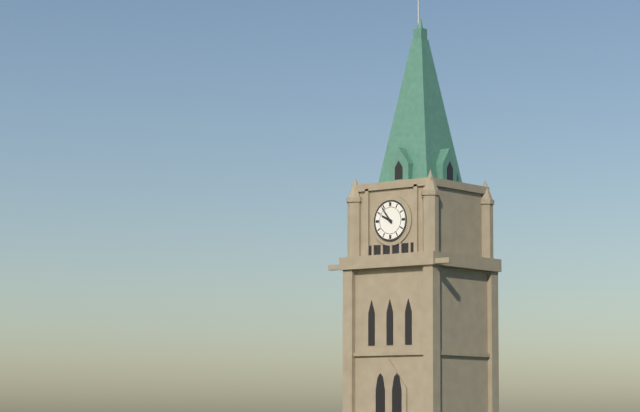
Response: 9:54
